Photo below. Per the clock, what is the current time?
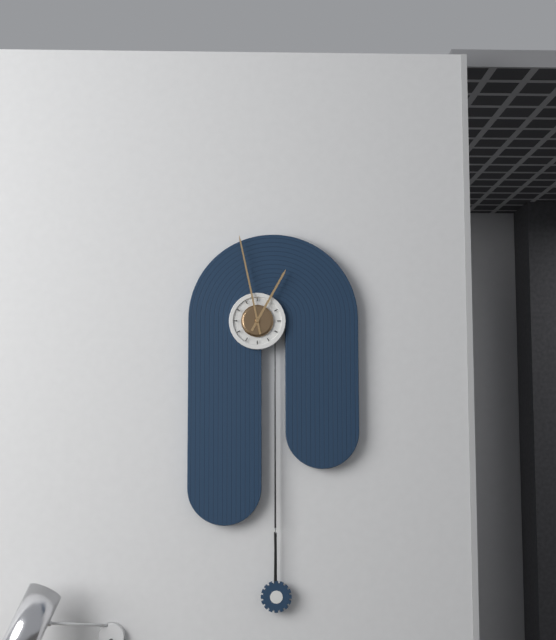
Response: 12:58
